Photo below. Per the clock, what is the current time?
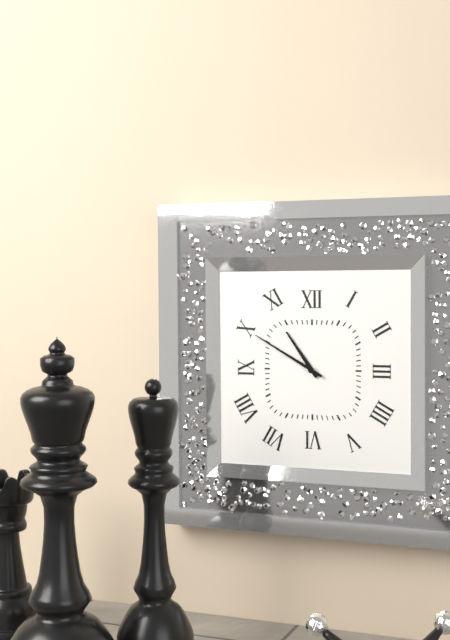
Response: 10:50
